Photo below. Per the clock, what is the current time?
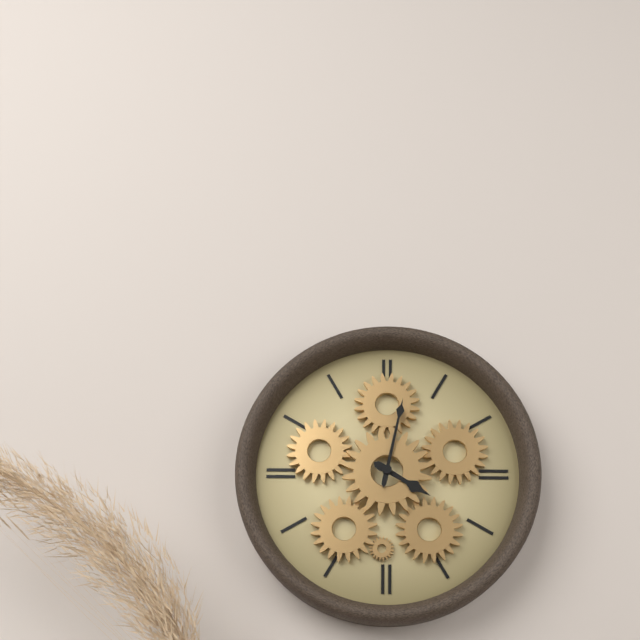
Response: 4:02
